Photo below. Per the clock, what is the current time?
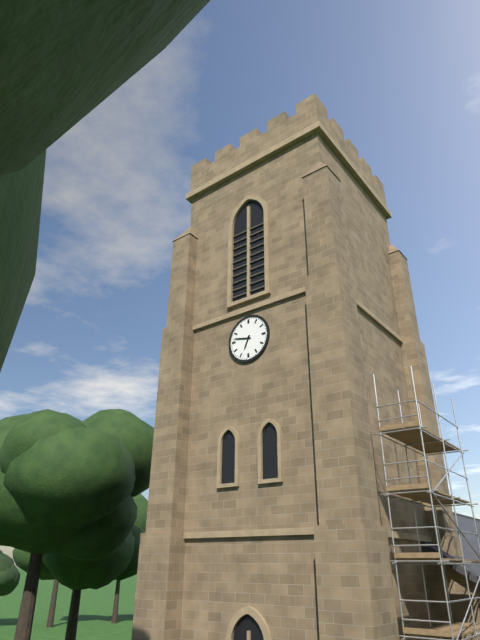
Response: 6:47
